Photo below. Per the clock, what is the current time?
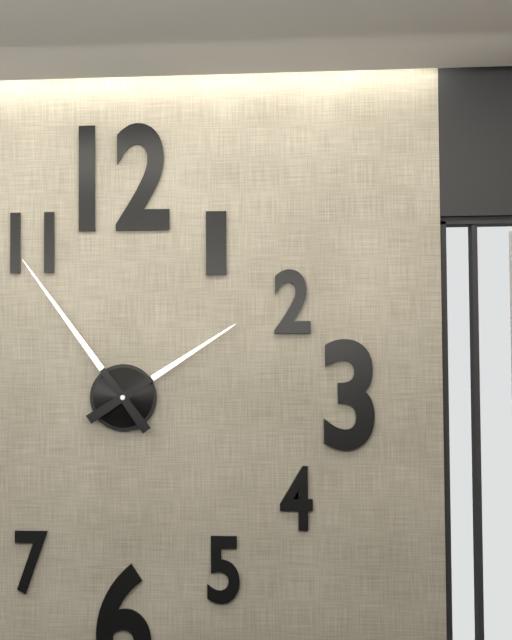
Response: 1:54
